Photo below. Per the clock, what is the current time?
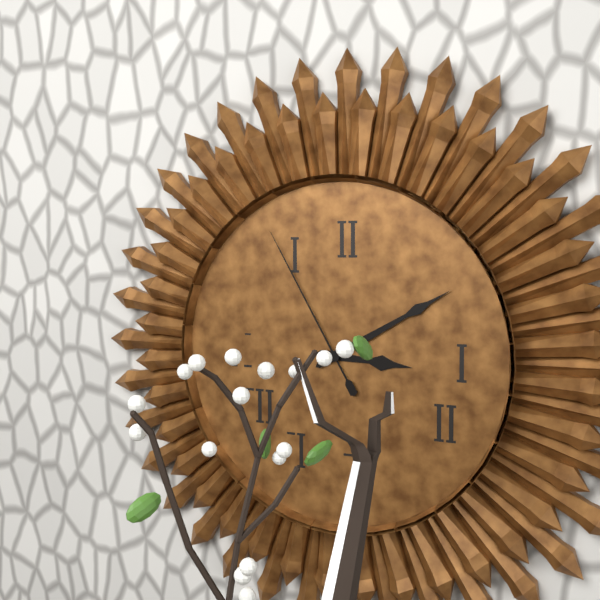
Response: 3:10:55
